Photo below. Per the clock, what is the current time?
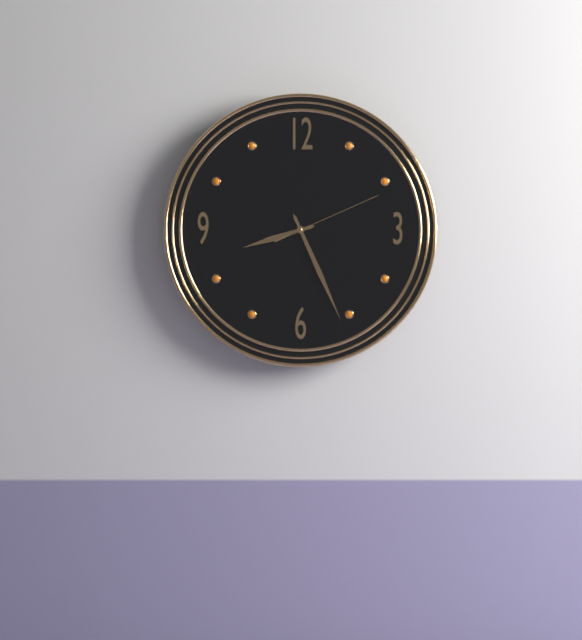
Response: 8:26:11
